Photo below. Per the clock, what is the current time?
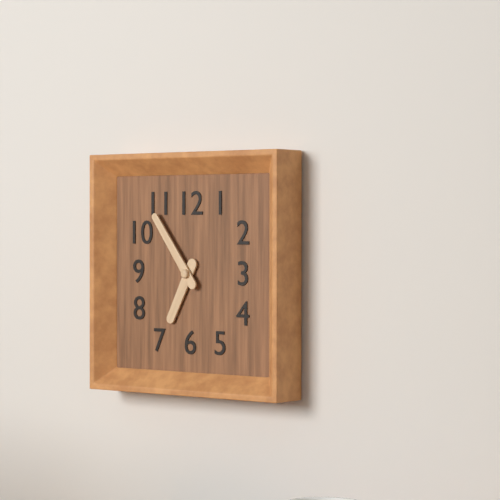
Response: 6:54
